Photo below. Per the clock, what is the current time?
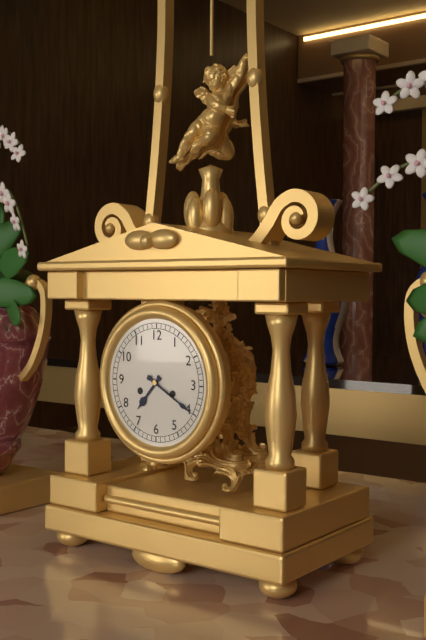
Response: 7:20
